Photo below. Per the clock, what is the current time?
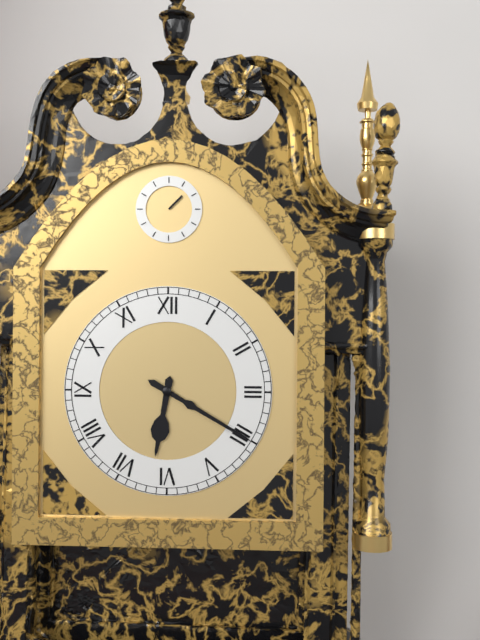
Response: 6:20
